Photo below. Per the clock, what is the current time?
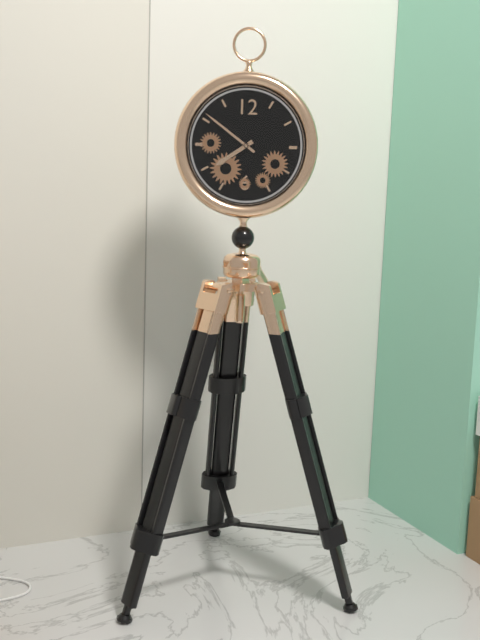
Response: 7:51
